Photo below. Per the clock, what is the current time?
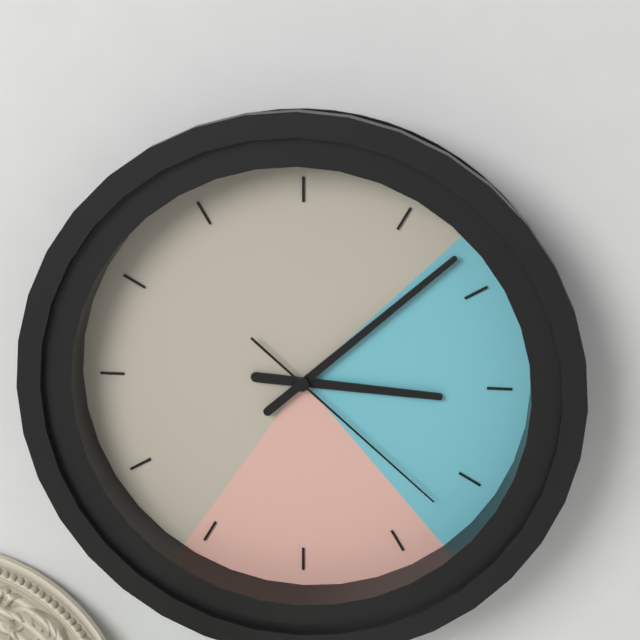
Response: 3:08:22
